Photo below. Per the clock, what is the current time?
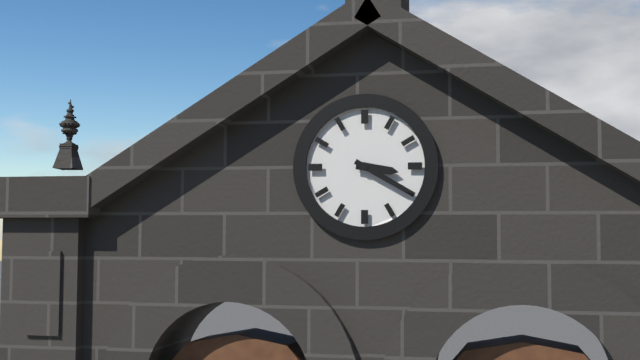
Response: 3:20
